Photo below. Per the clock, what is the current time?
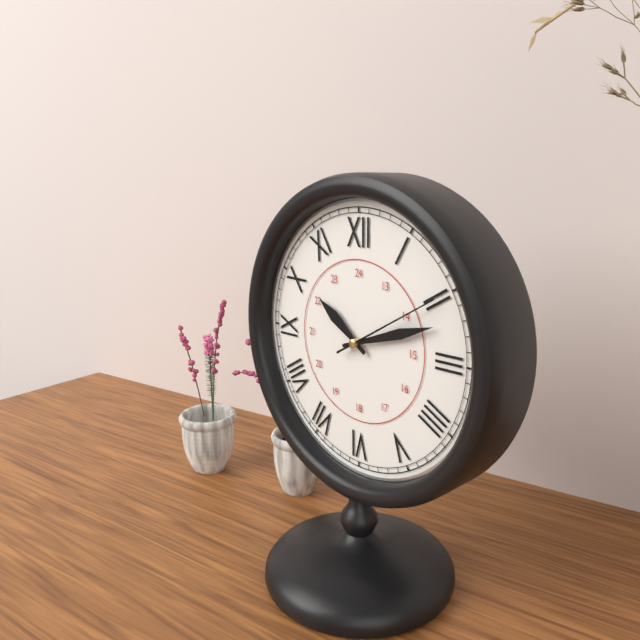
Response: 10:12:10
